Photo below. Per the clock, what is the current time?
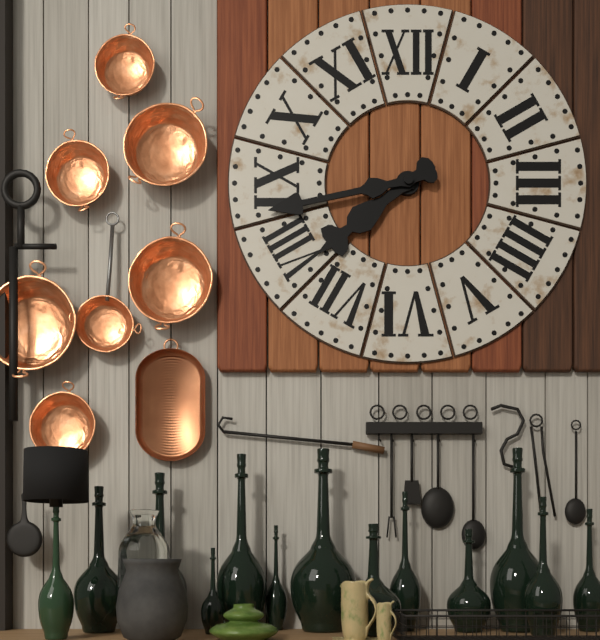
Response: 7:43
